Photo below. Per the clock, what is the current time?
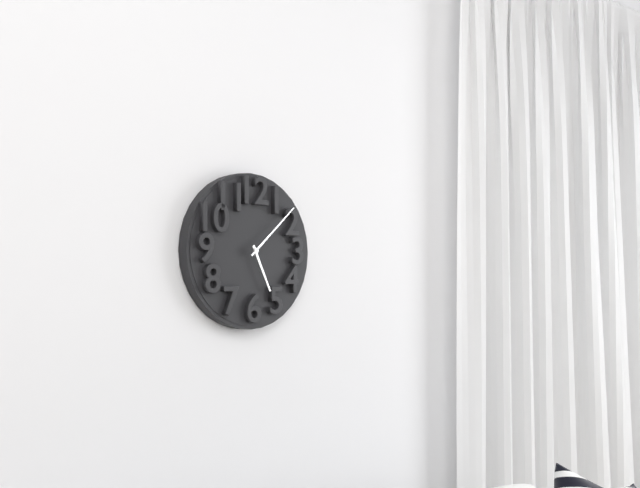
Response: 5:08
